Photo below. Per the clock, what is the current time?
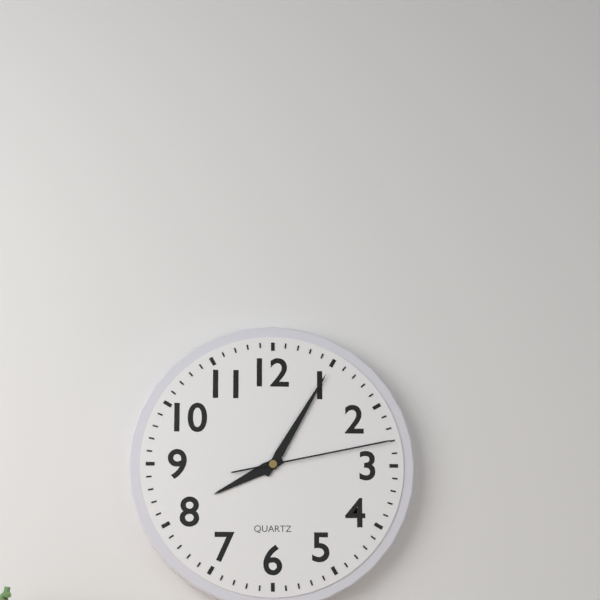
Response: 8:05:13
